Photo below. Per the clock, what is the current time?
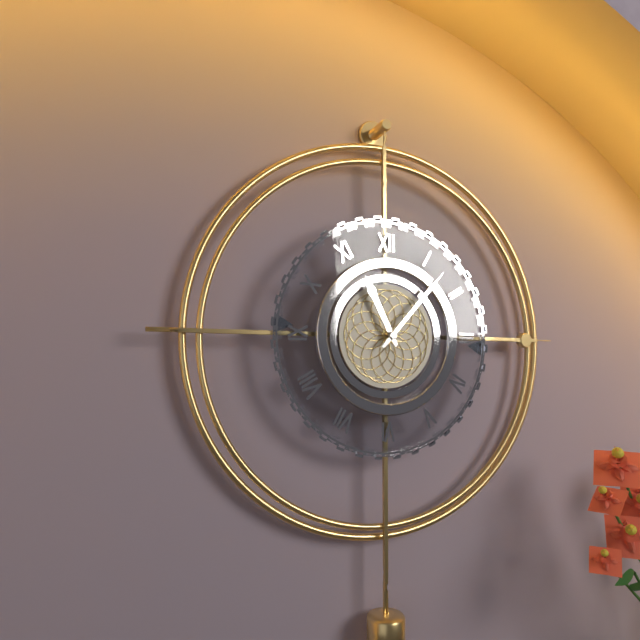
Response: 11:07
